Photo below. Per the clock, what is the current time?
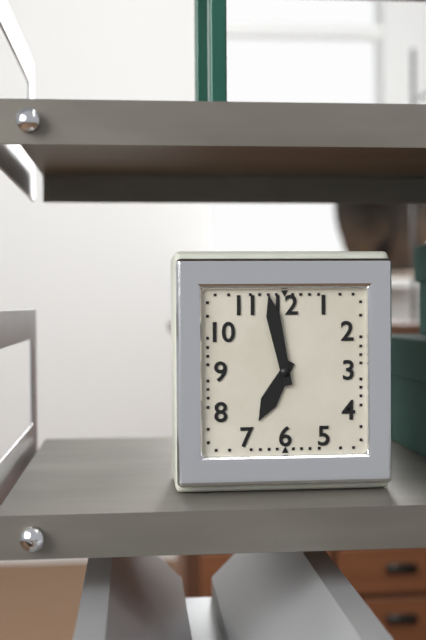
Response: 6:58
